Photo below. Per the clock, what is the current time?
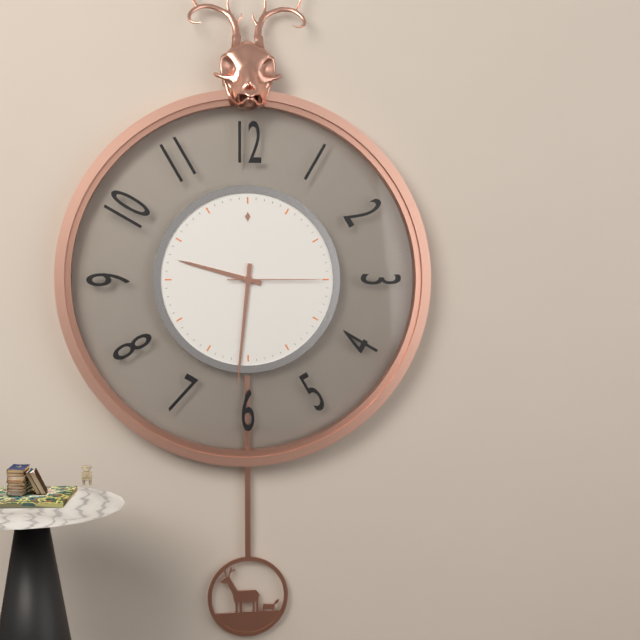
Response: 9:31:15
